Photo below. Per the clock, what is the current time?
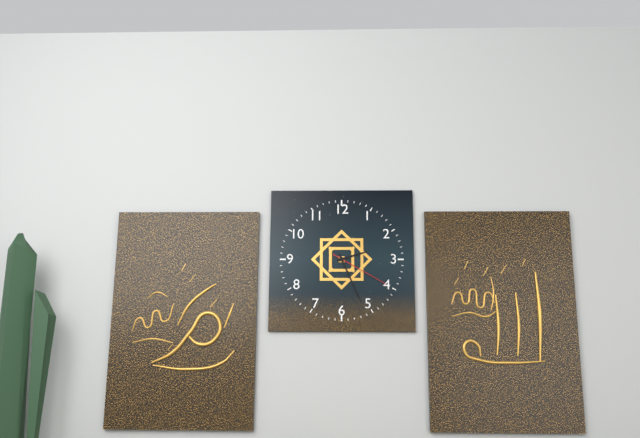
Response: 2:26:20
